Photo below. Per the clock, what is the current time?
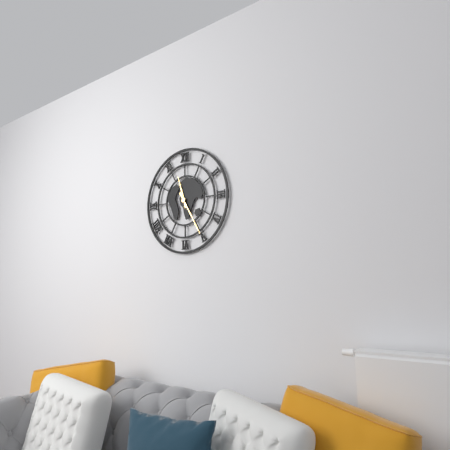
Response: 11:25
